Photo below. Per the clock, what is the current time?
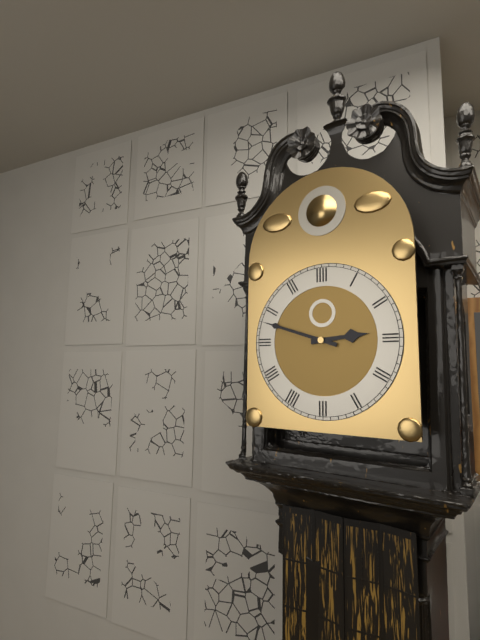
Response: 2:48
